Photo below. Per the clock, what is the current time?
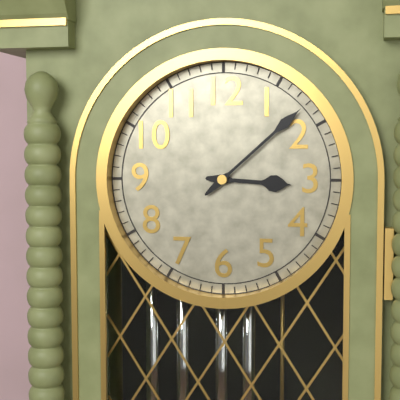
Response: 3:08
